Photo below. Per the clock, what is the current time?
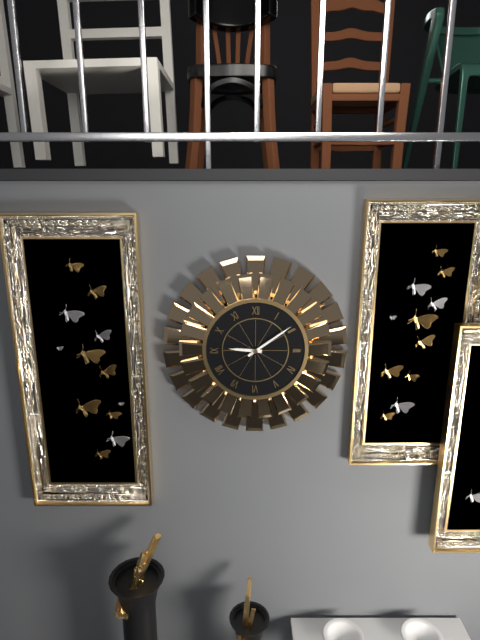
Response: 9:09
